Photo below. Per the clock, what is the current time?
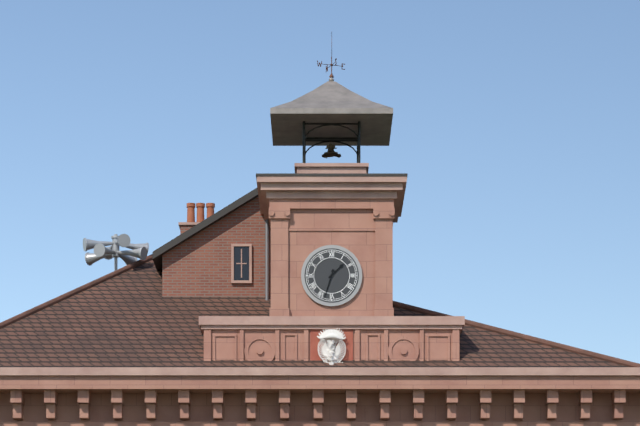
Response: 1:33
